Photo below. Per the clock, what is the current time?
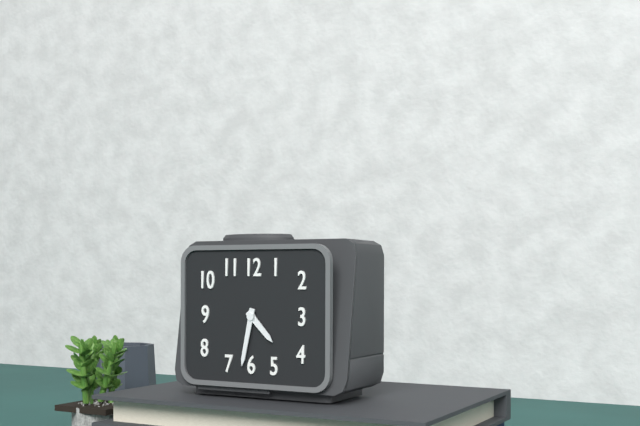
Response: 4:32
